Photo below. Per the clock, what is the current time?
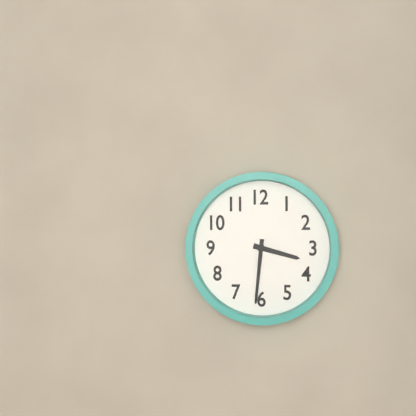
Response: 3:31
